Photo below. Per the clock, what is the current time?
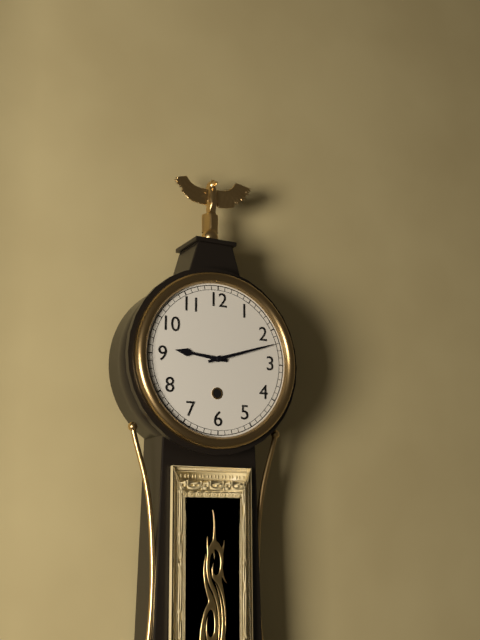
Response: 9:12
